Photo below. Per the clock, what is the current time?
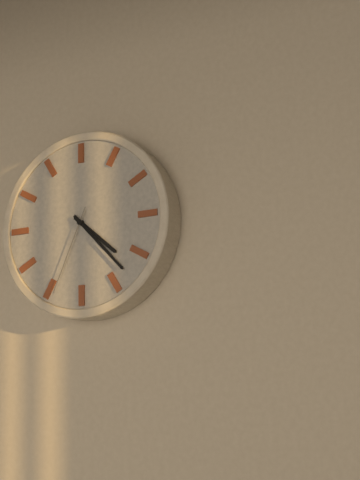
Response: 4:23:34
